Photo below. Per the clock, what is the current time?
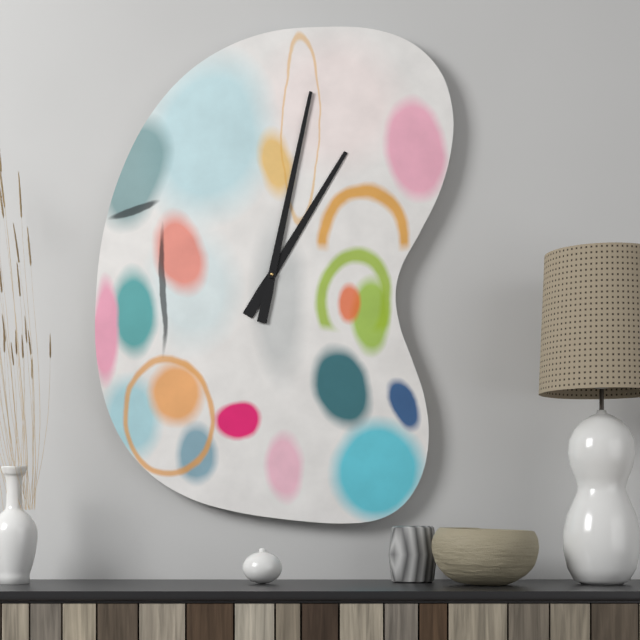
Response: 1:02
